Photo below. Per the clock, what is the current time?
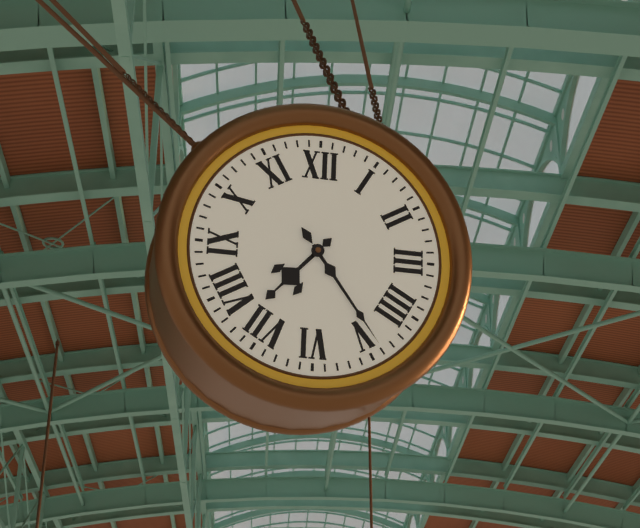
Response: 7:24
